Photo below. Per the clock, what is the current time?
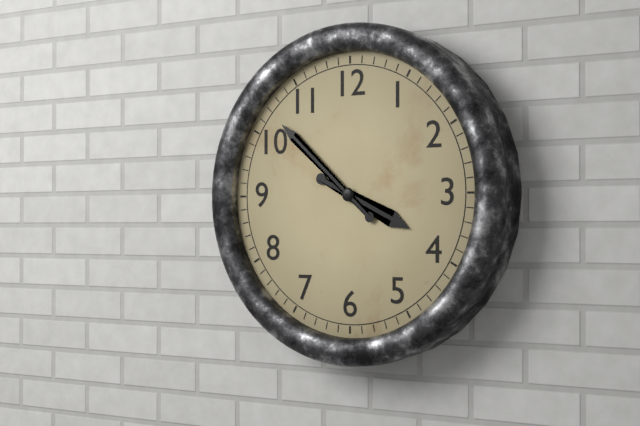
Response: 3:52
